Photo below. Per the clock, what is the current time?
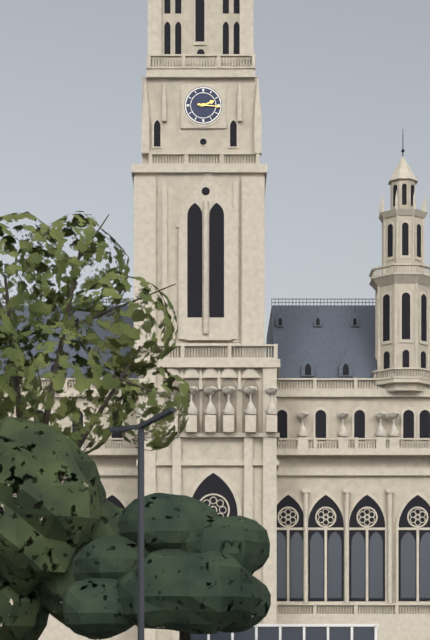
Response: 2:16
